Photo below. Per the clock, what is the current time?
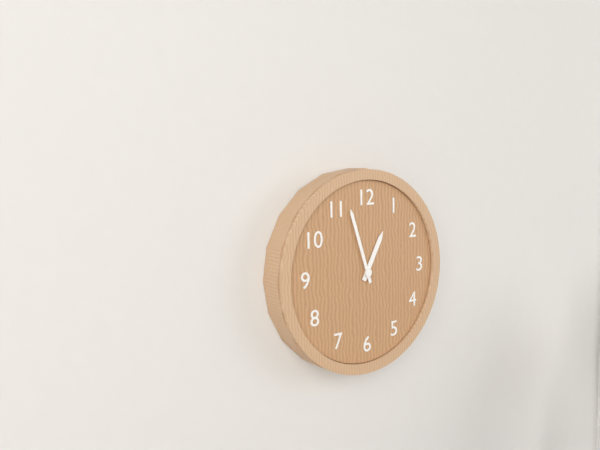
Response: 12:57
